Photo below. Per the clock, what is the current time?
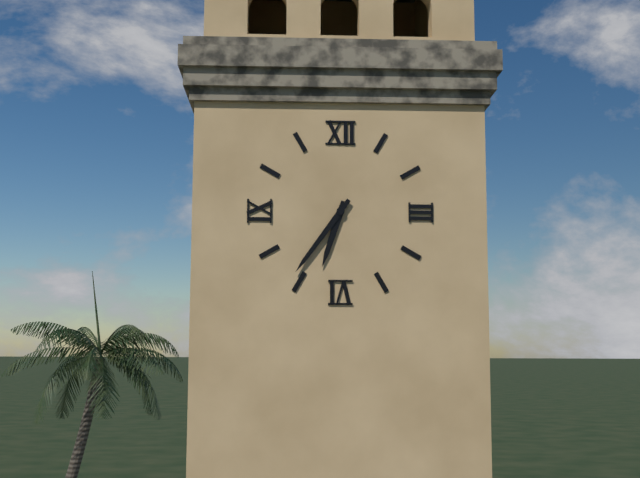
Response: 6:36
